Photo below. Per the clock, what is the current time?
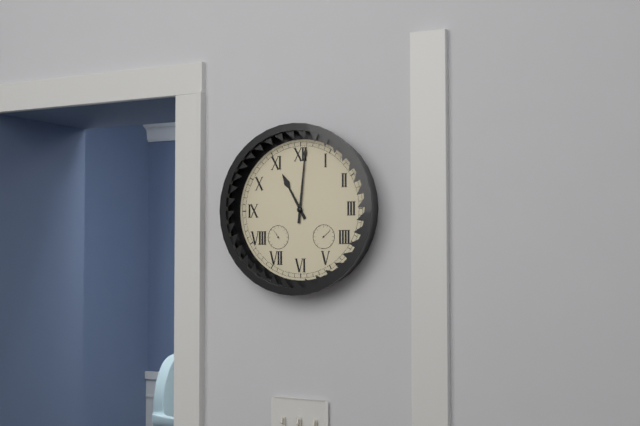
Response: 11:01
